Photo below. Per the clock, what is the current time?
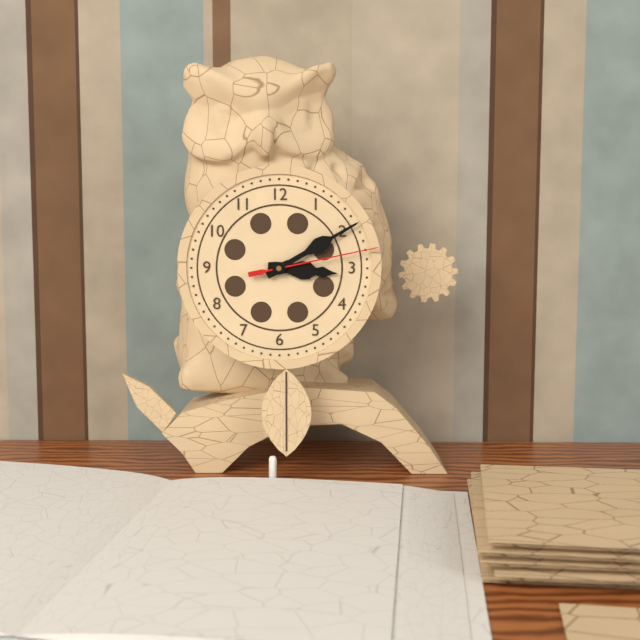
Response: 3:10:13
